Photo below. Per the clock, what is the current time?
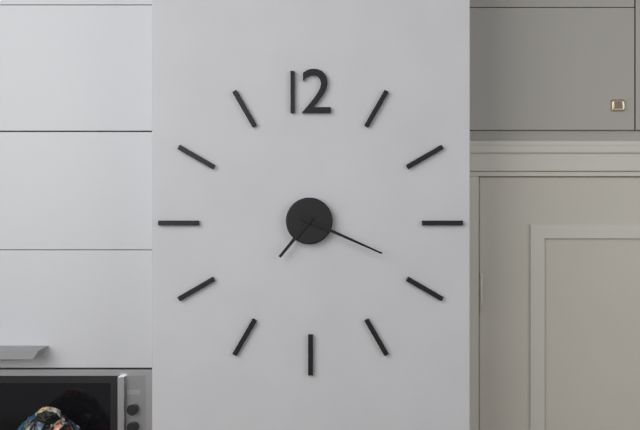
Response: 7:19
